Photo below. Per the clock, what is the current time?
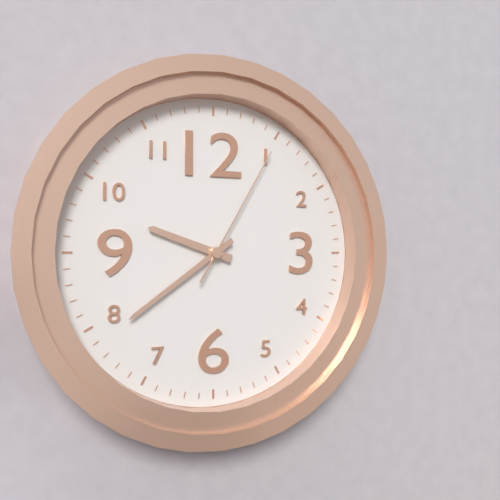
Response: 9:39:05
